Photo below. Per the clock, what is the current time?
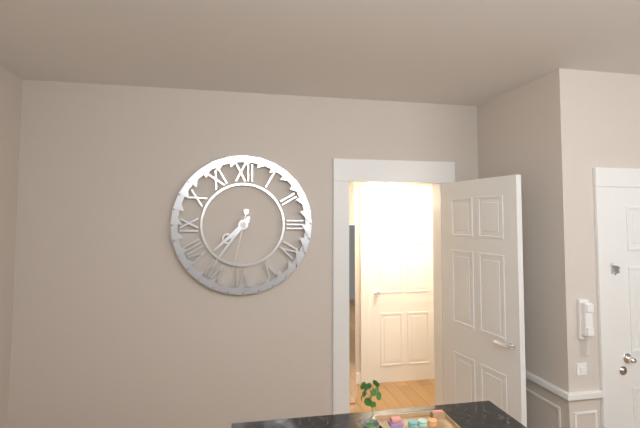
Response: 7:36:32
